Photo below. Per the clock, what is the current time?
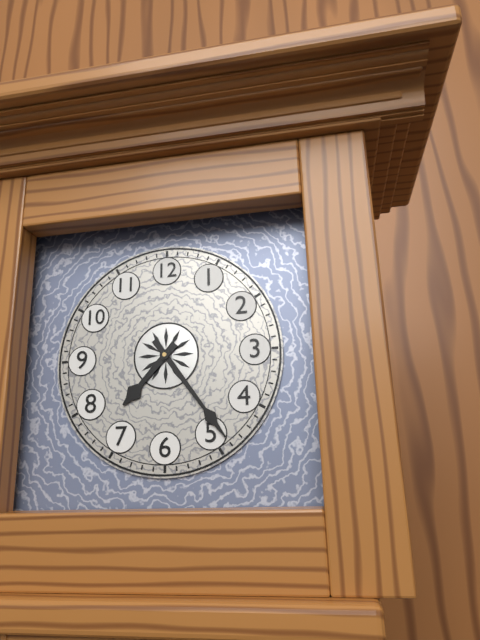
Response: 7:24
